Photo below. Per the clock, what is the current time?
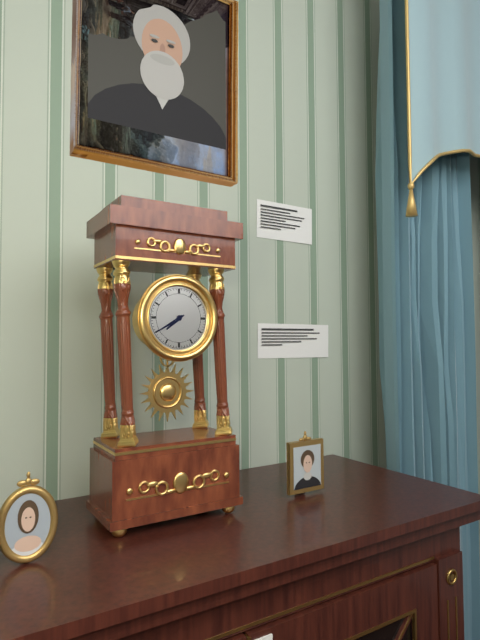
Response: 7:40
